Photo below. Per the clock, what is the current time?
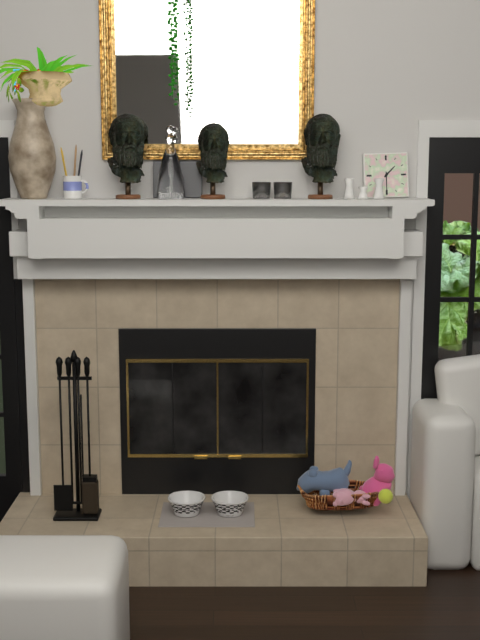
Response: 1:30
